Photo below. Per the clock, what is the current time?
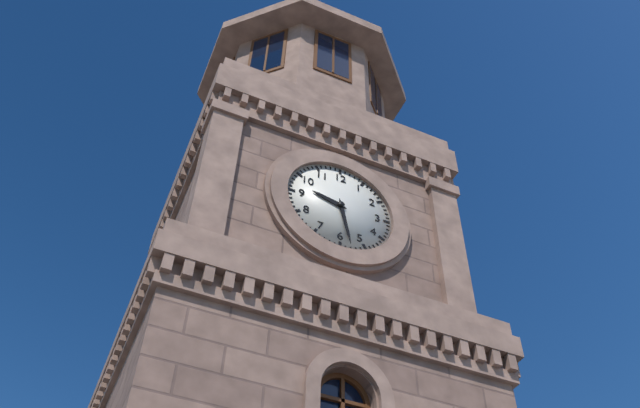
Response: 9:28
